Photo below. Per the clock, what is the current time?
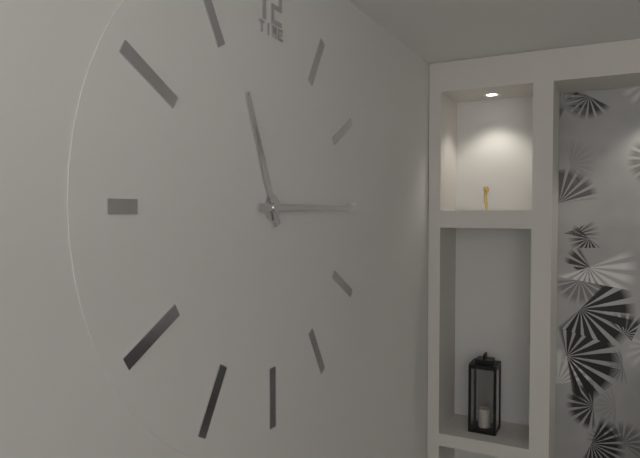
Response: 11:15
